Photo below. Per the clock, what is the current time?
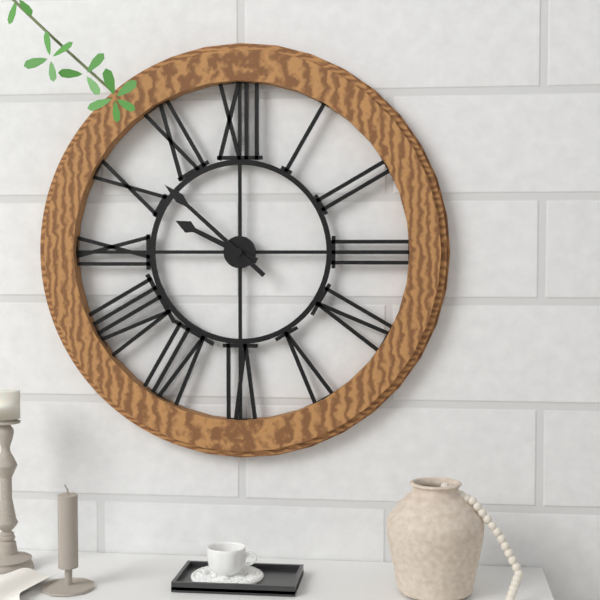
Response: 9:52
